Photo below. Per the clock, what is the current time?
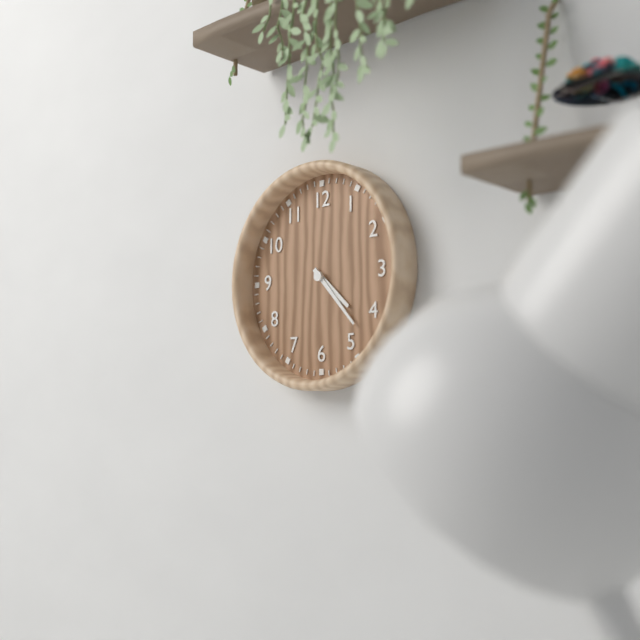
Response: 4:23
